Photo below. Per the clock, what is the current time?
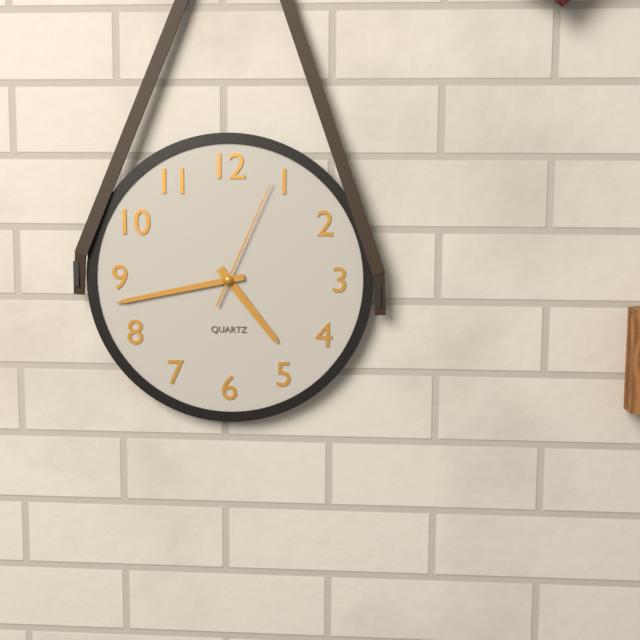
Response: 4:43:04
